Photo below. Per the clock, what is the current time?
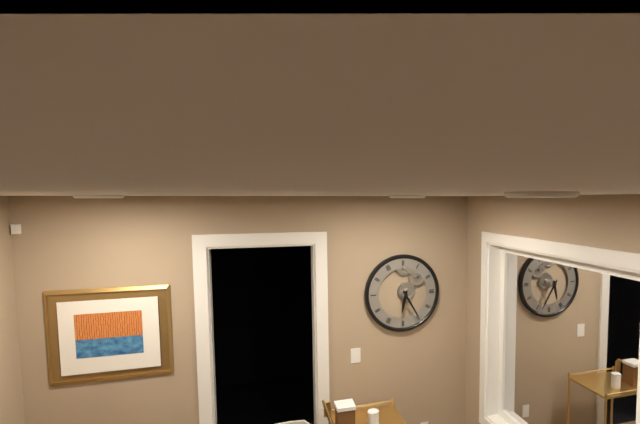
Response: 6:25
